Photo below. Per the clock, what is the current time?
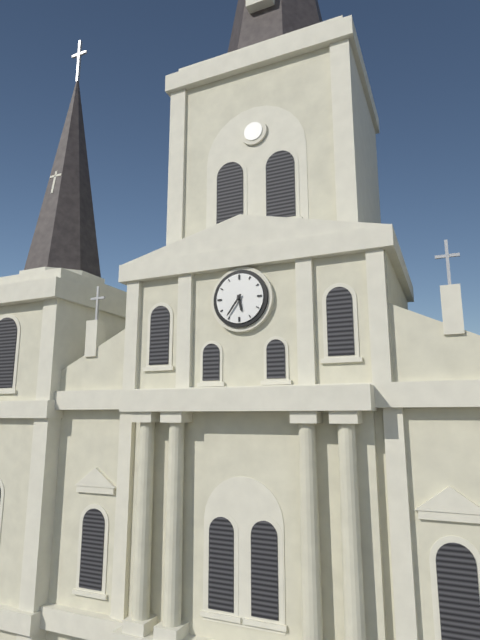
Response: 5:36
